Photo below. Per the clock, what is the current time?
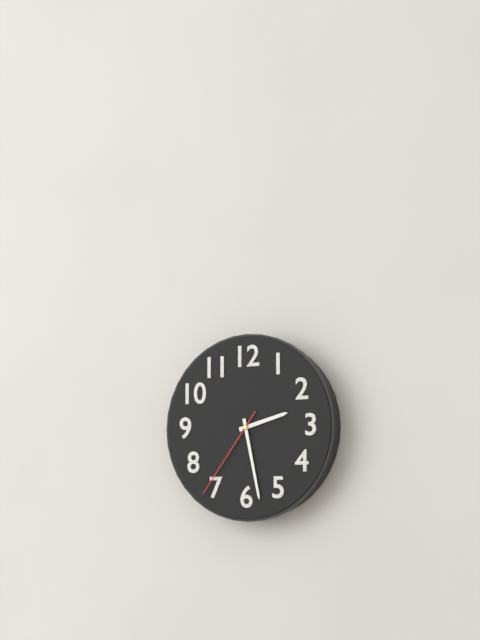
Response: 2:28:36
